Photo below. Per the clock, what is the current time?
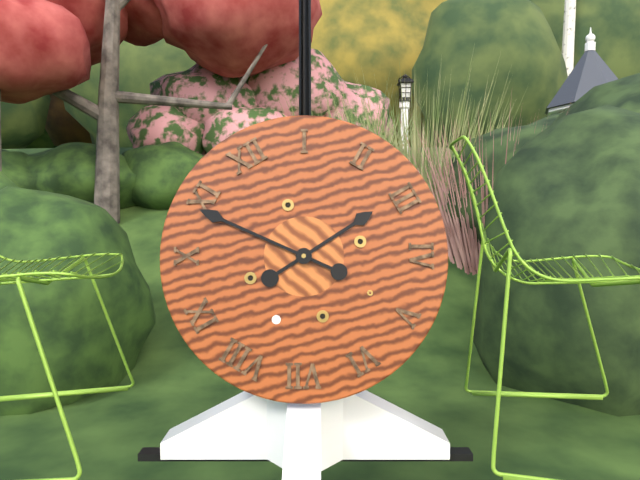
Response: 2:54
